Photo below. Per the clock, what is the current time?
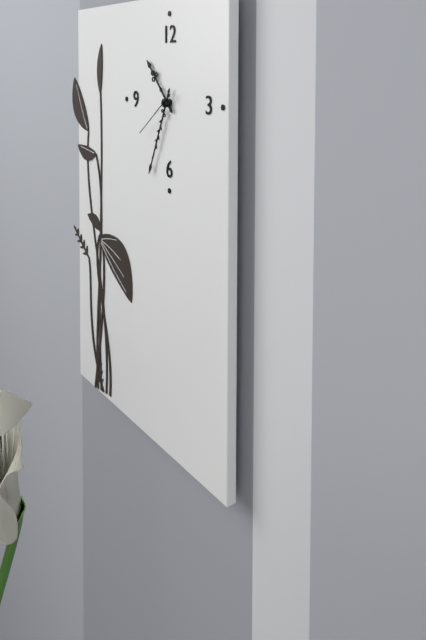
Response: 10:34:39
